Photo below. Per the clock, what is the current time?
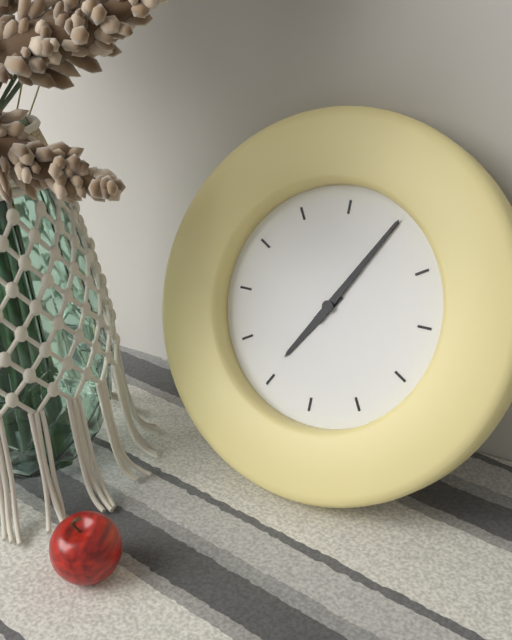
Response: 7:05
